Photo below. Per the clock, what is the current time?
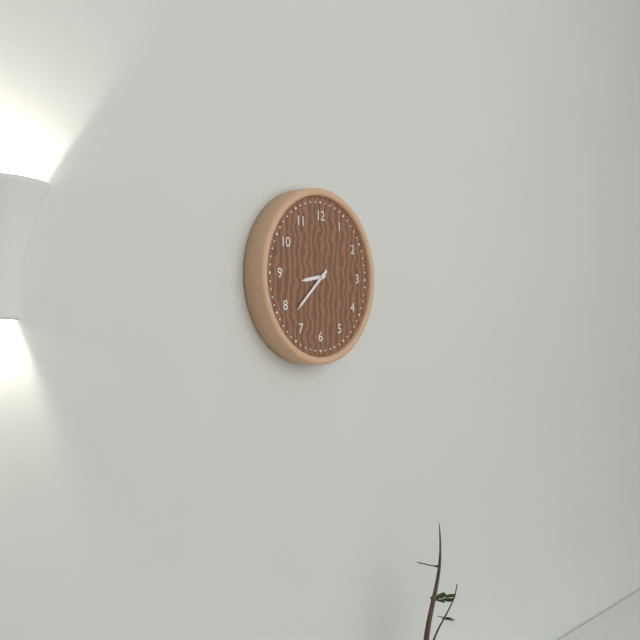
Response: 8:38
